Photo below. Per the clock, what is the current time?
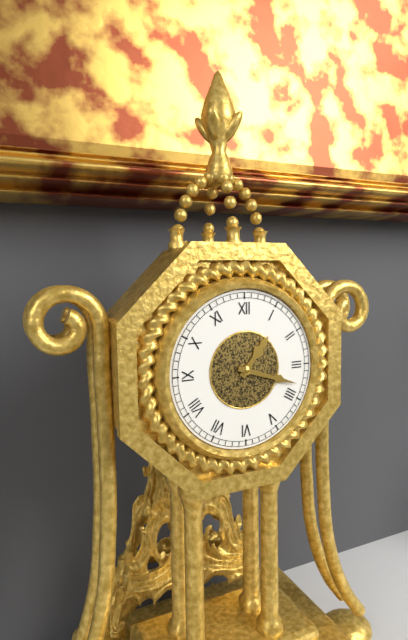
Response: 1:18
